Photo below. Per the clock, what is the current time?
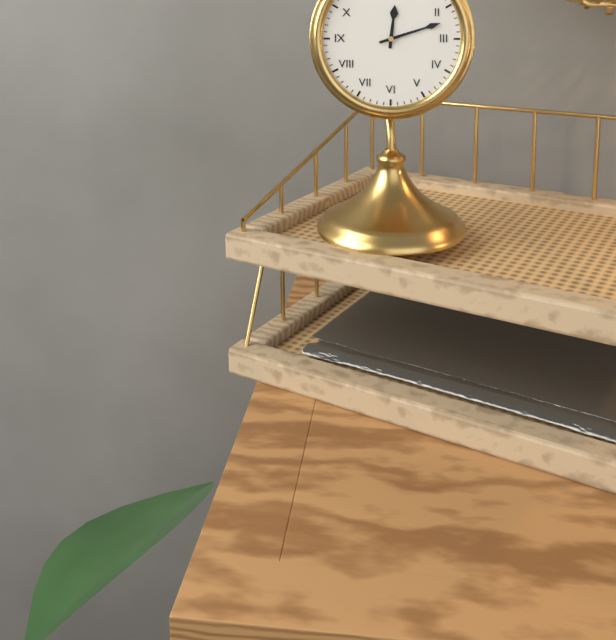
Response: 12:12
